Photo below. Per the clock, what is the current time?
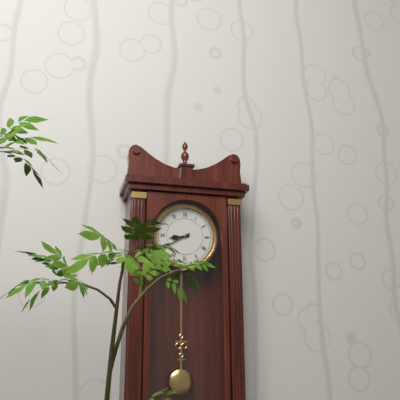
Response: 8:40
